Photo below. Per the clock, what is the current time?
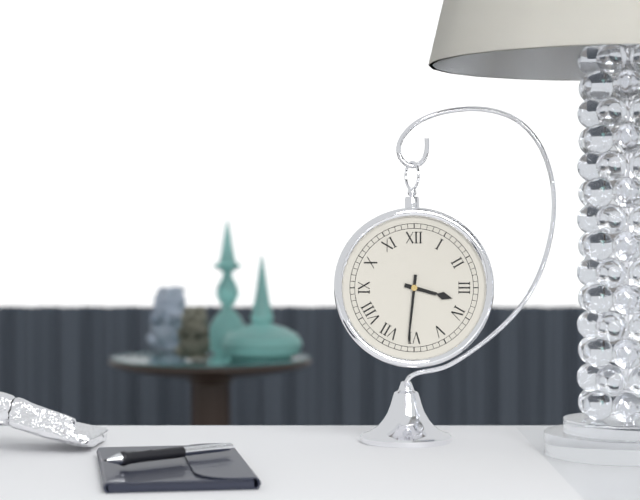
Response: 3:31
